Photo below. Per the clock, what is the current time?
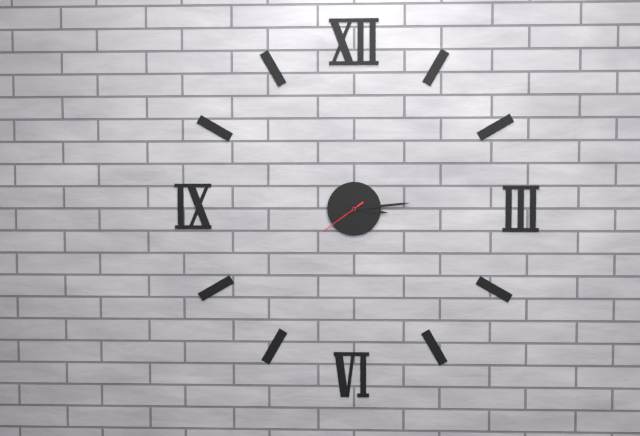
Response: 3:14
